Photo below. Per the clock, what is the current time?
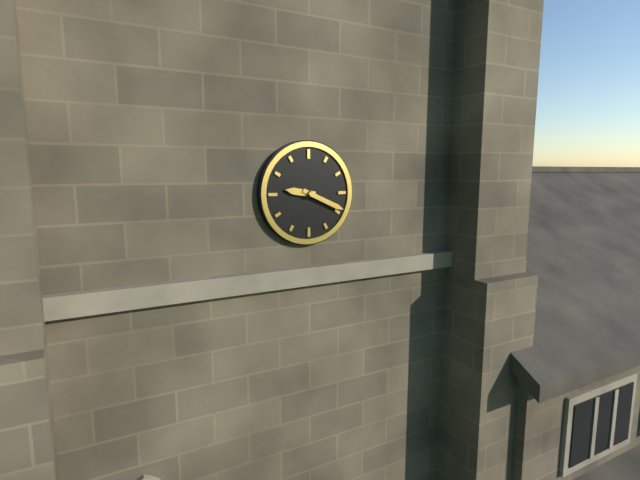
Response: 9:19
